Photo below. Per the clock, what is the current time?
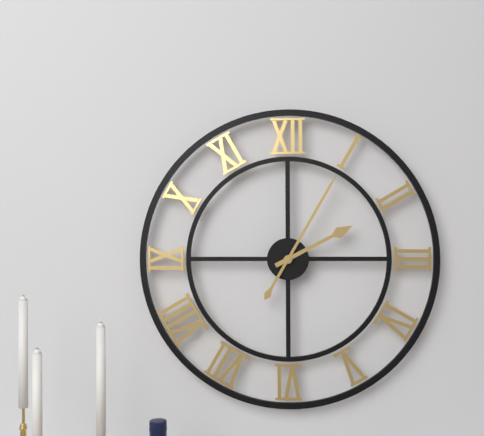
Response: 2:05
